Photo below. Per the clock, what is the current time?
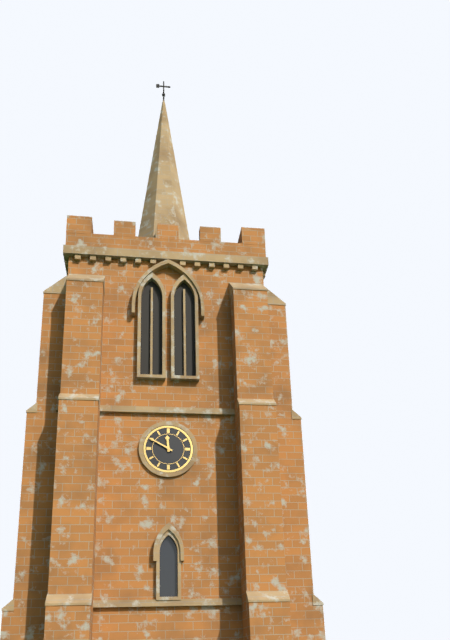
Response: 11:50
